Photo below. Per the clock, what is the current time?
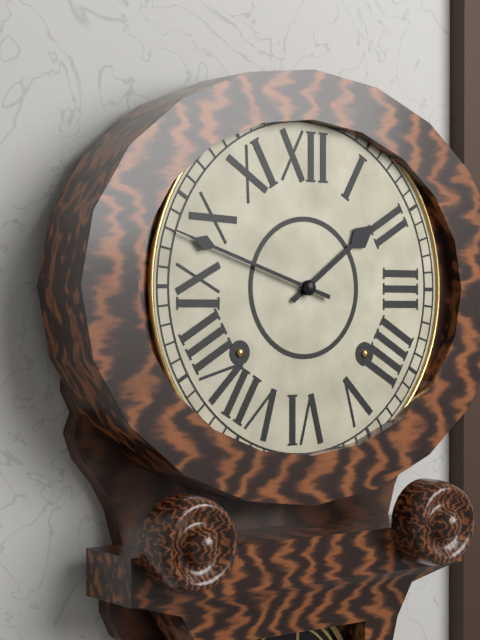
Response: 1:48
